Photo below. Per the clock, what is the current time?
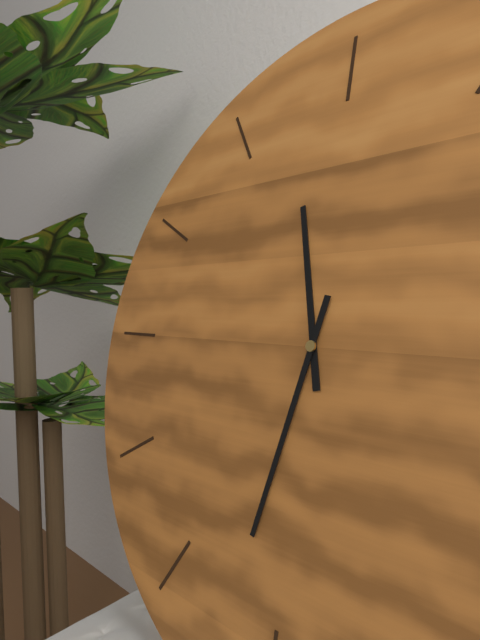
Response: 11:32
